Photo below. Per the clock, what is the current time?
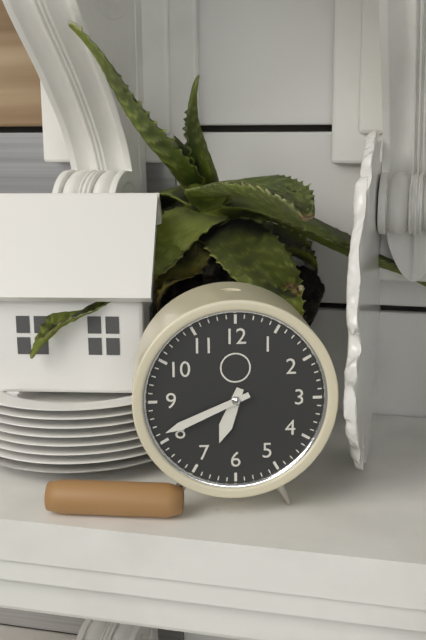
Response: 6:41
